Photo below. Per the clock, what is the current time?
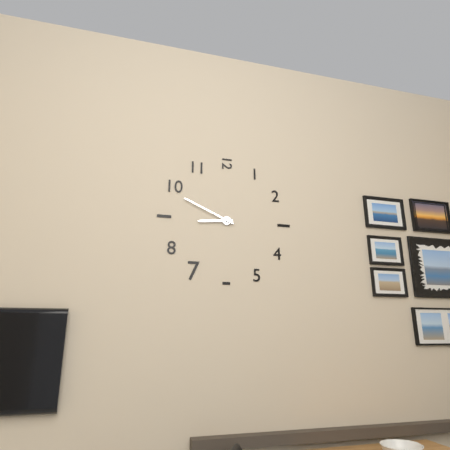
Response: 8:49
